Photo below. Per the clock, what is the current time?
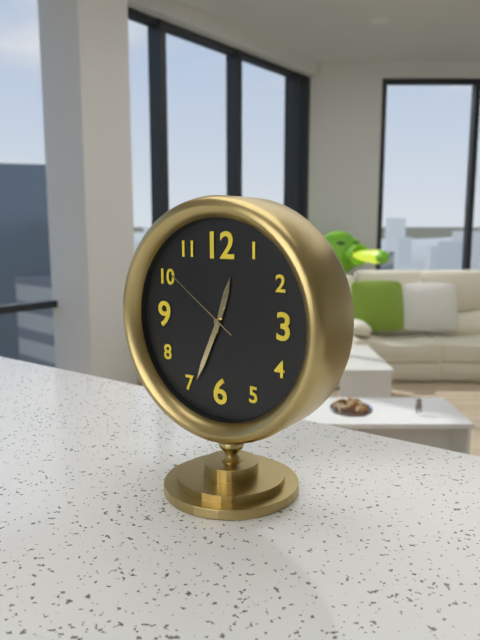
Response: 12:34:51
